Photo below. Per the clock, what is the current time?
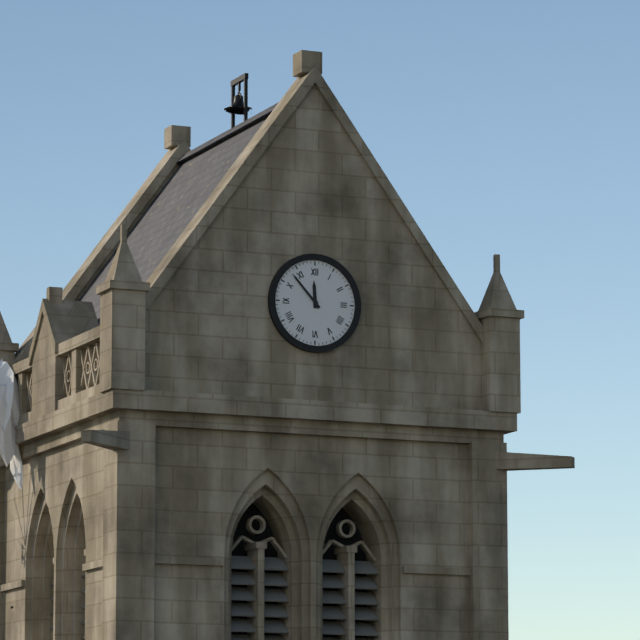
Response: 11:53
